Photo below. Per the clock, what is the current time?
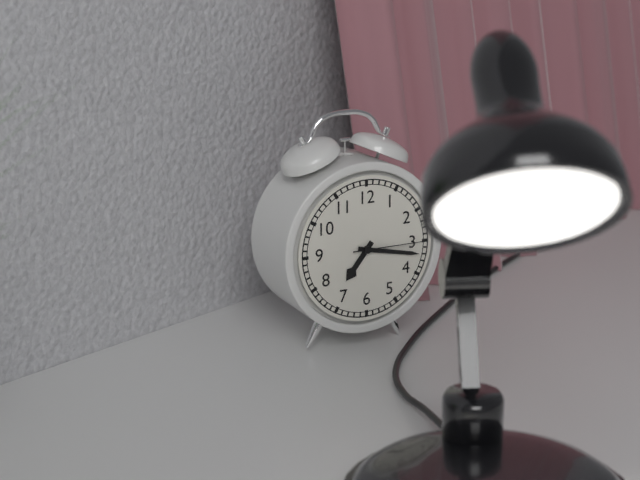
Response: 7:17:15
